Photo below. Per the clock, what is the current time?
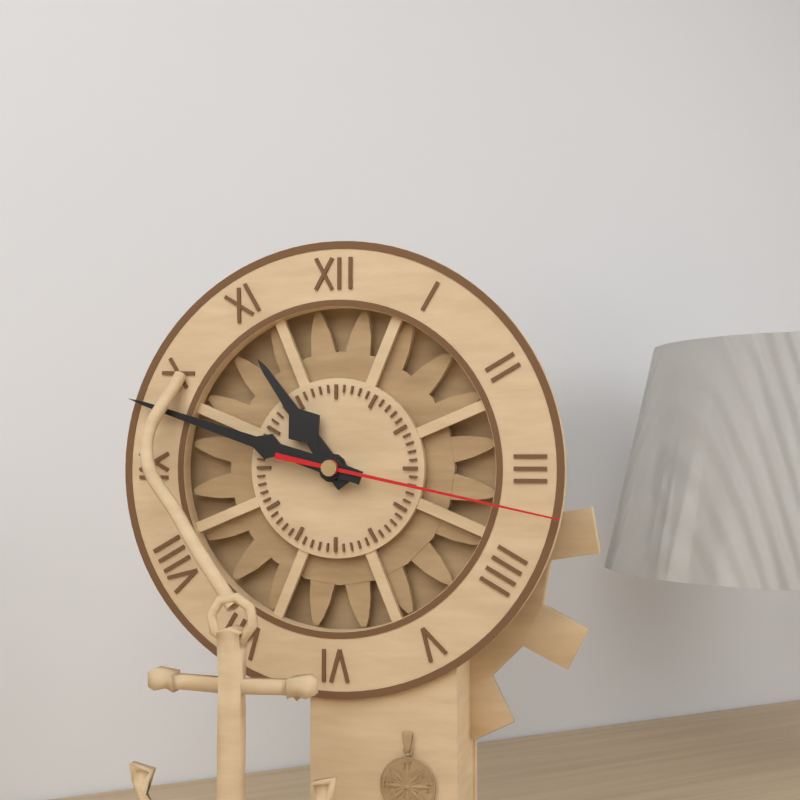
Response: 10:48:17
